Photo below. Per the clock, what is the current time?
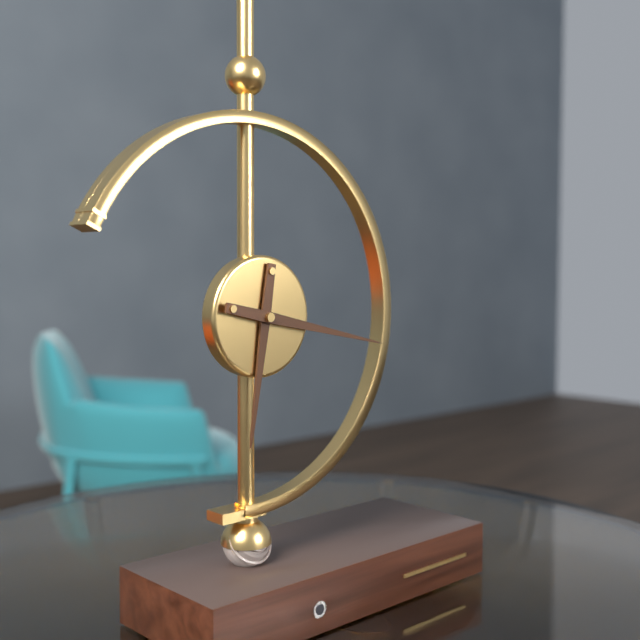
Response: 6:17
